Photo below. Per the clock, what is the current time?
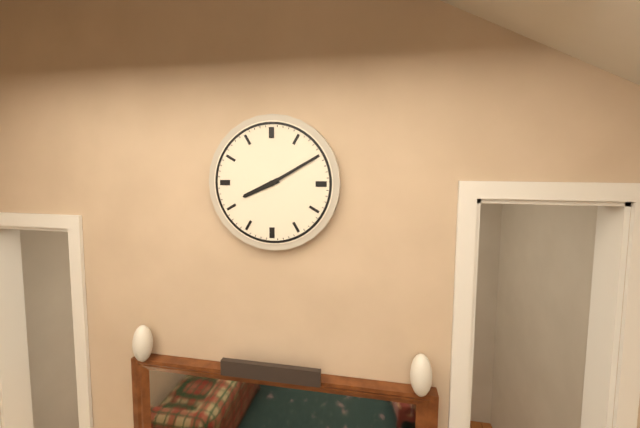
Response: 8:10
